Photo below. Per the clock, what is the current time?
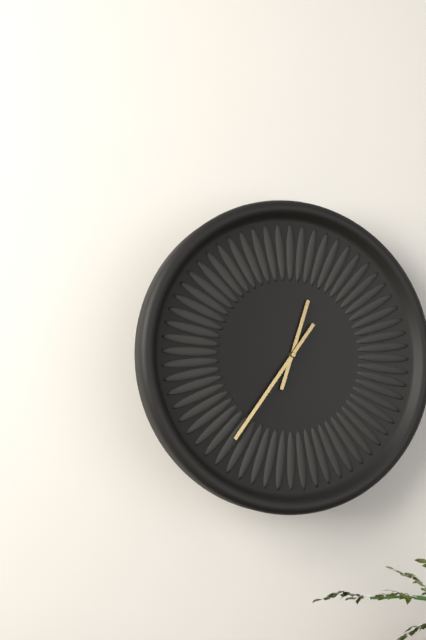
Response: 12:36
